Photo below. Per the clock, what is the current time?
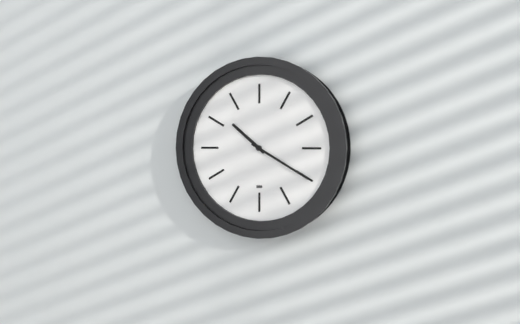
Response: 10:20
